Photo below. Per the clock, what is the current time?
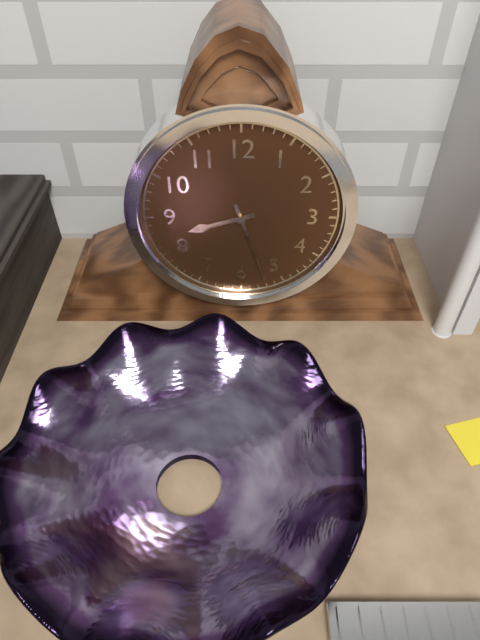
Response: 8:27
